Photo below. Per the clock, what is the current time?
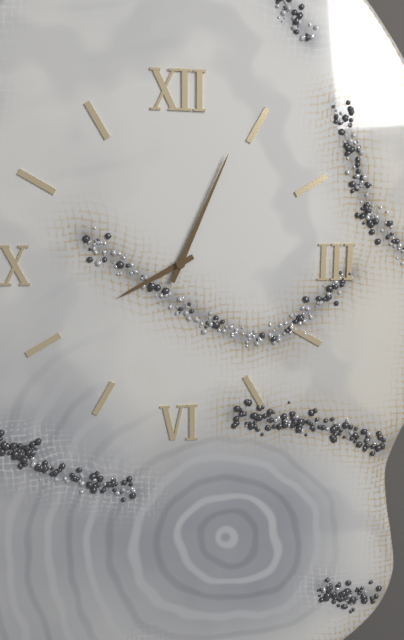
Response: 8:04
